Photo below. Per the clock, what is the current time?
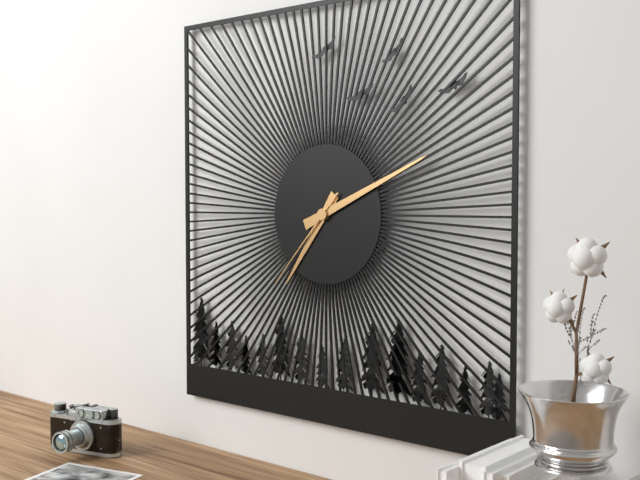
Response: 7:11:37
